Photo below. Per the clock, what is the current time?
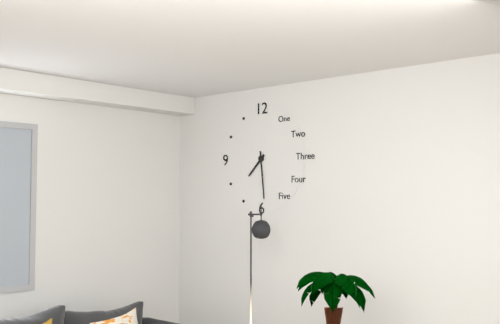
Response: 7:29
